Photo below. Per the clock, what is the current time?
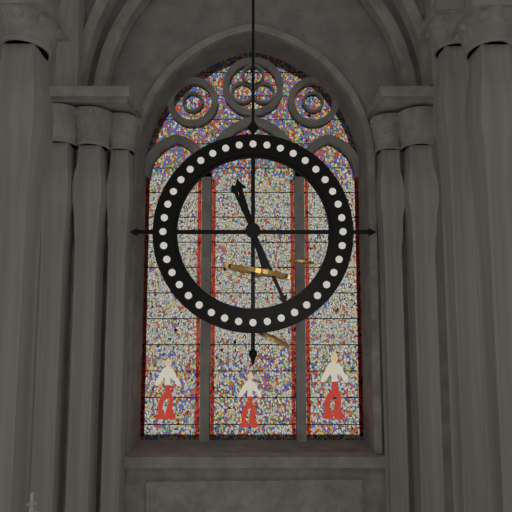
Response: 11:26
